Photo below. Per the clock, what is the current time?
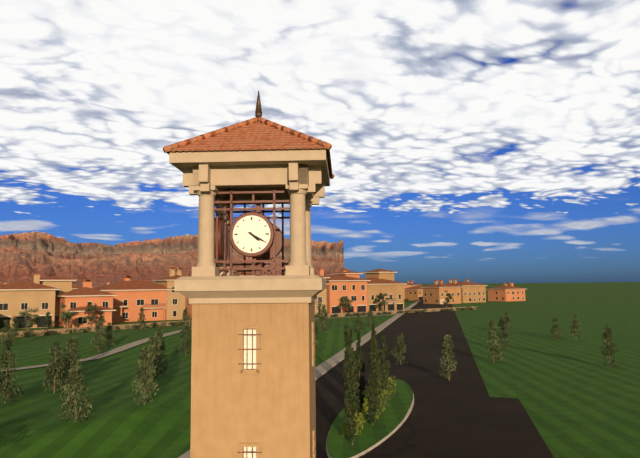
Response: 4:20
